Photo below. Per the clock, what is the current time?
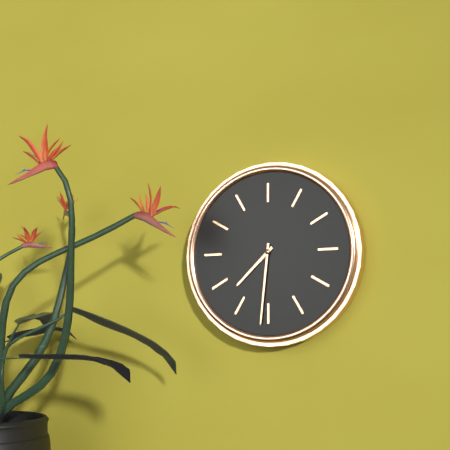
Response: 7:31
